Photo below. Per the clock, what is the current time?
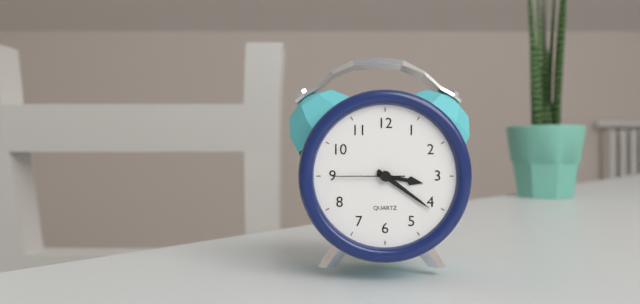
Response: 3:21:45
